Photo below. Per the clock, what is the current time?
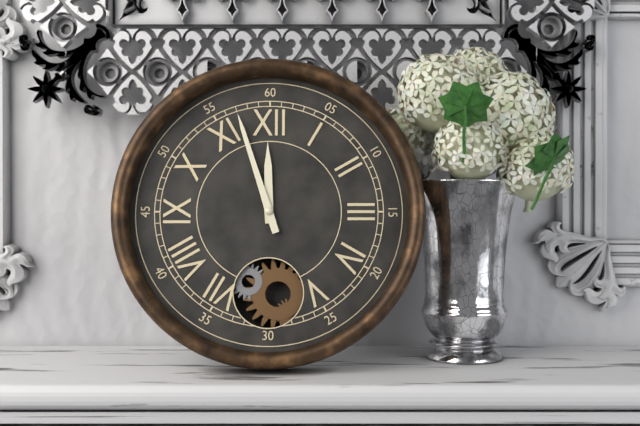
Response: 11:57
